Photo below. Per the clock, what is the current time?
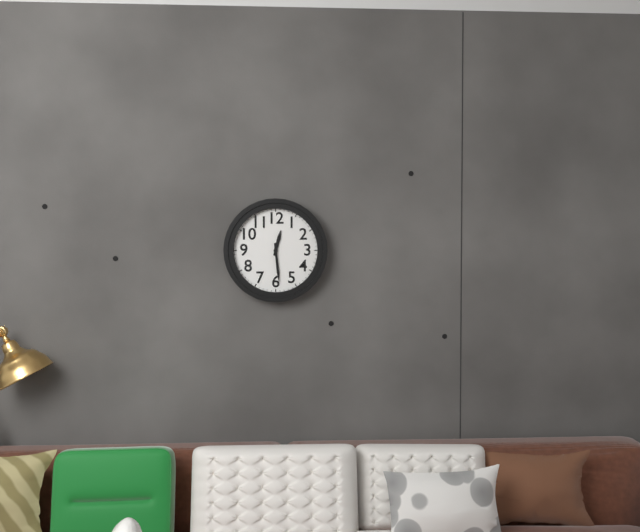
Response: 12:29
